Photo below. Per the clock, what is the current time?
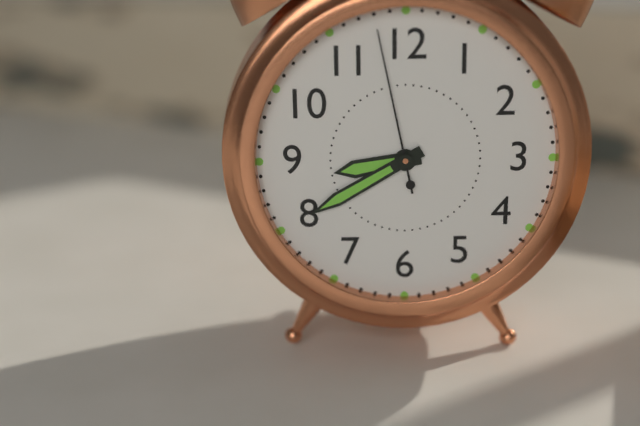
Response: 8:40:58
